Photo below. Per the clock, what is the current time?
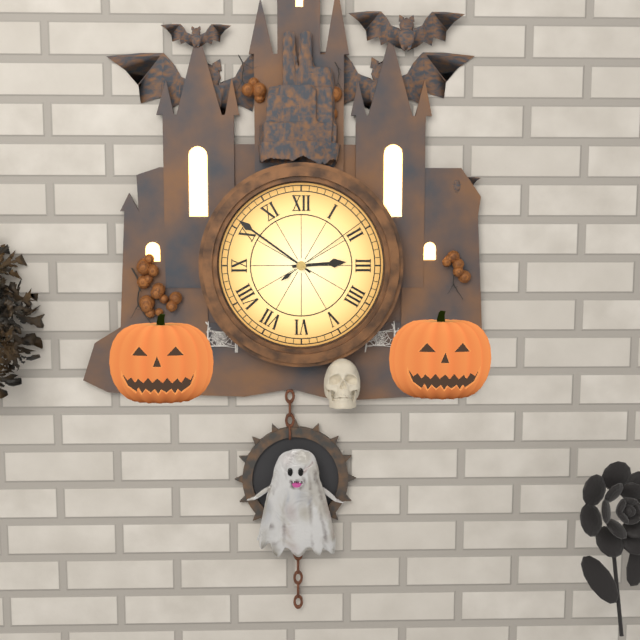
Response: 2:51:09
